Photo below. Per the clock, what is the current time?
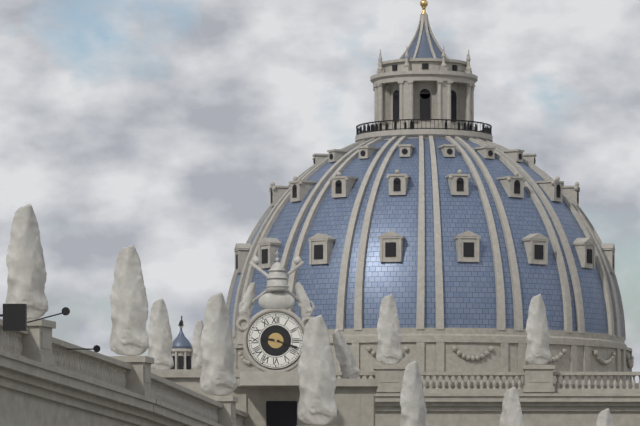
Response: 9:18
